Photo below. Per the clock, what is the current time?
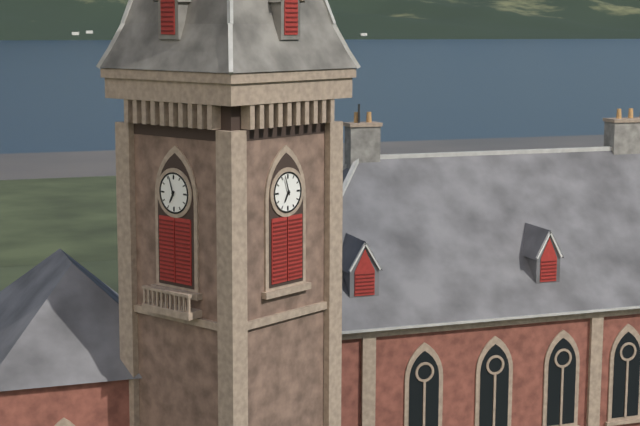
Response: 6:57
